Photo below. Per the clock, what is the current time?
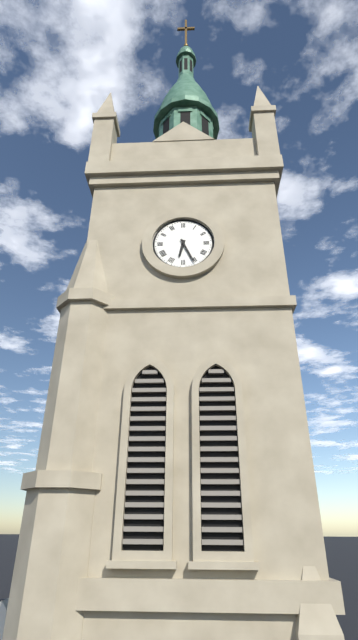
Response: 6:26
